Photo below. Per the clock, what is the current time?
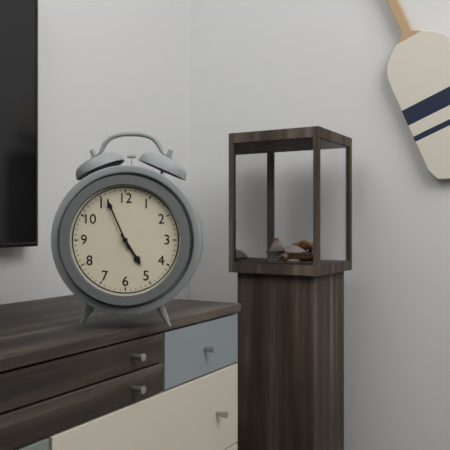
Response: 4:56
